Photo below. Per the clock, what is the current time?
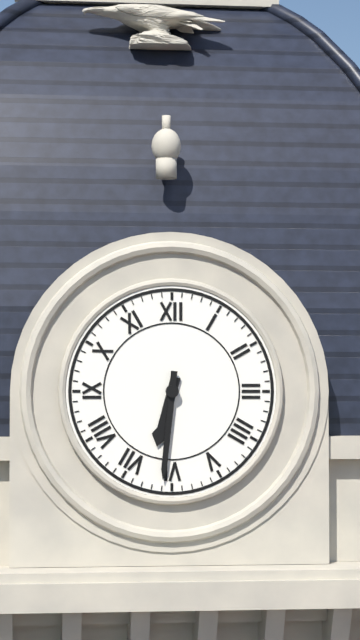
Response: 6:31
